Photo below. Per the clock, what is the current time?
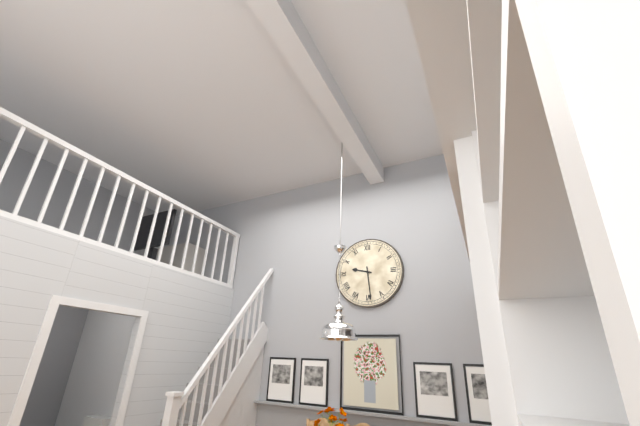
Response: 9:29
